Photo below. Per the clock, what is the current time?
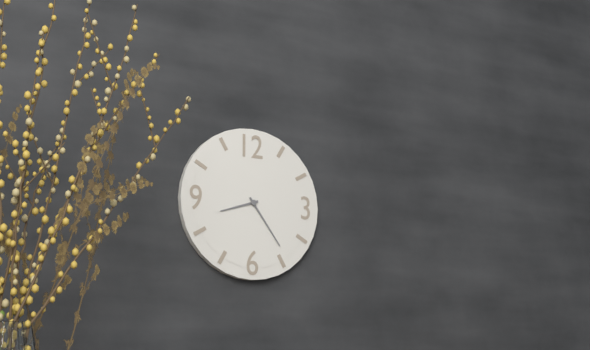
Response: 8:24
